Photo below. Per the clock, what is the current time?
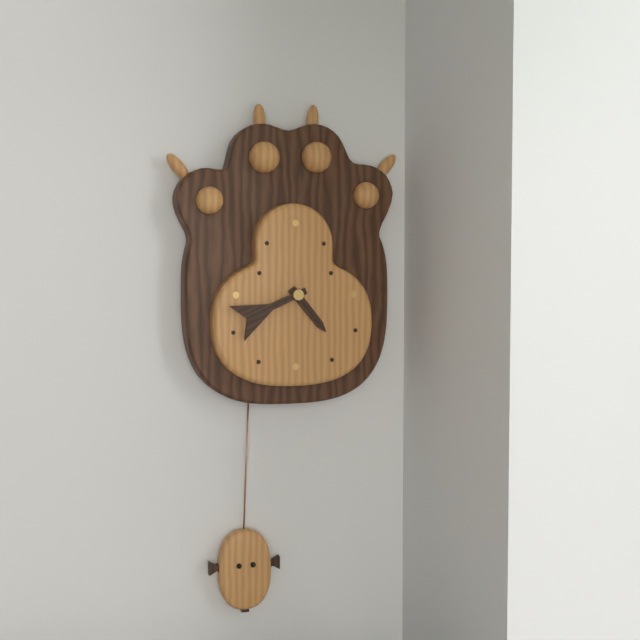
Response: 4:41
